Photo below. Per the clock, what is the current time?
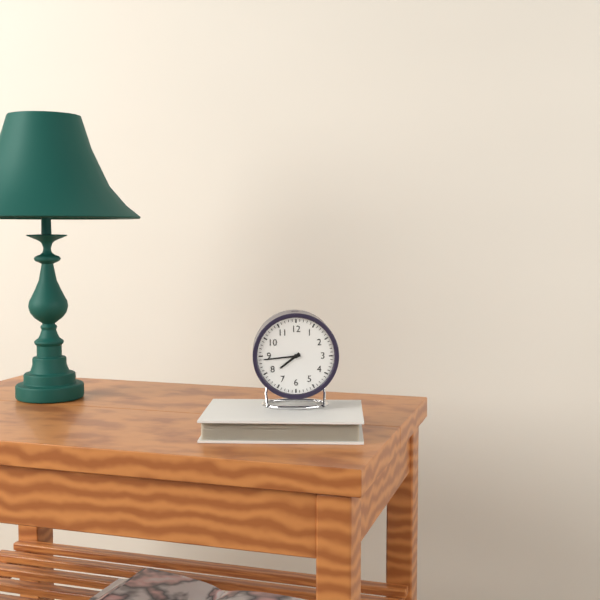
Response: 7:44
